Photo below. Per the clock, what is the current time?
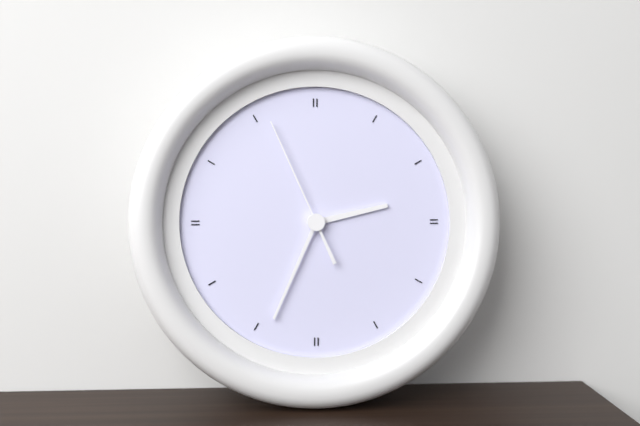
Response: 2:34:56
